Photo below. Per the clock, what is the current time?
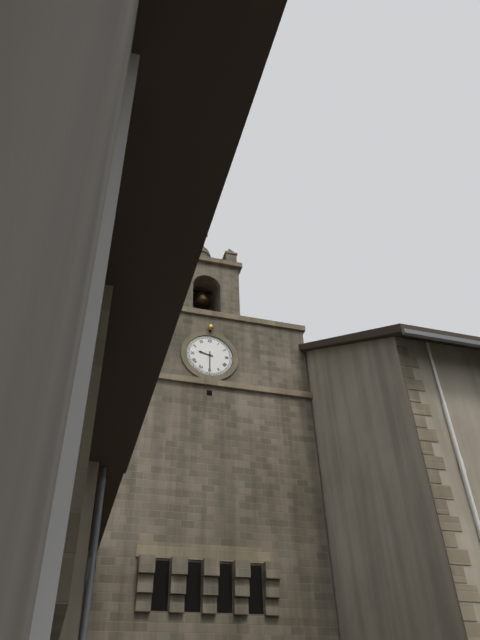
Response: 9:30
